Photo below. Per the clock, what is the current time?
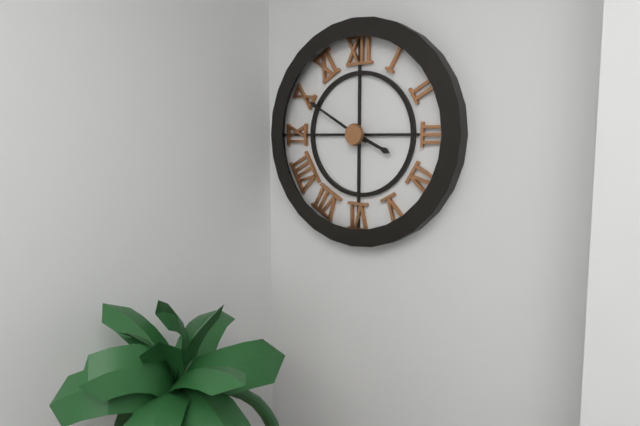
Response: 3:50
